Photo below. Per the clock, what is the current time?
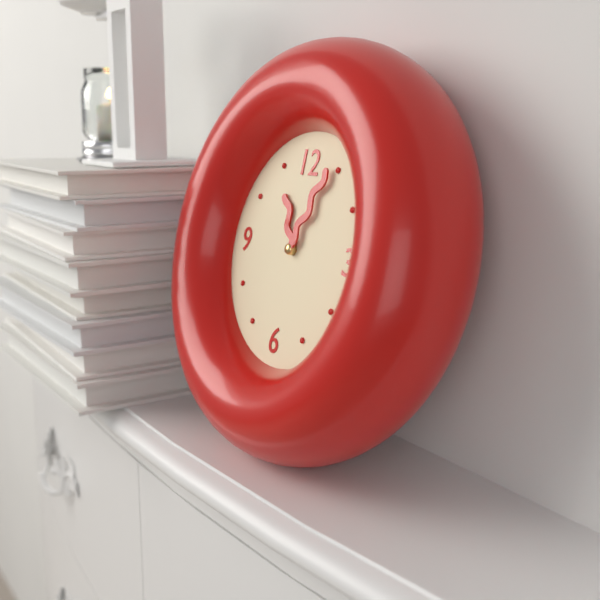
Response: 11:04
